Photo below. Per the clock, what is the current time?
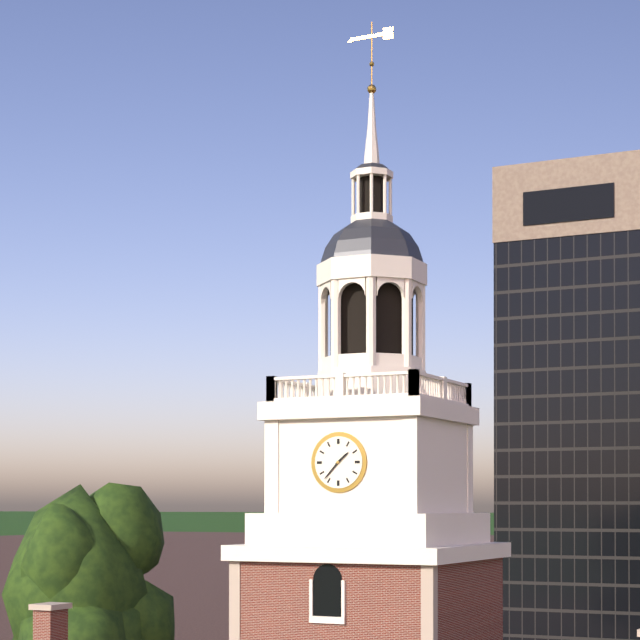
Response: 1:37
